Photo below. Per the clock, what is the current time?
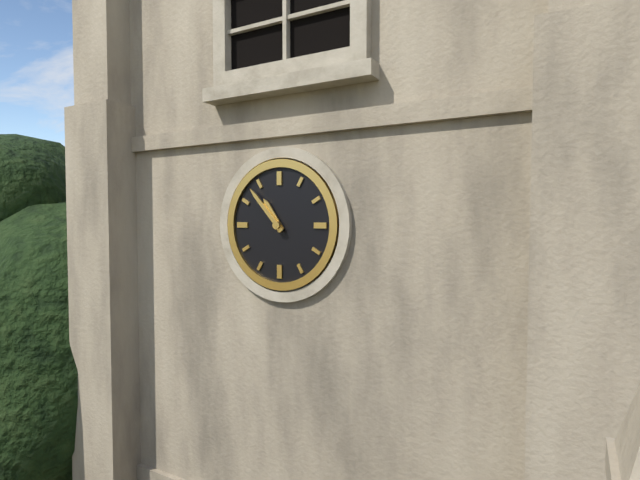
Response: 10:53
